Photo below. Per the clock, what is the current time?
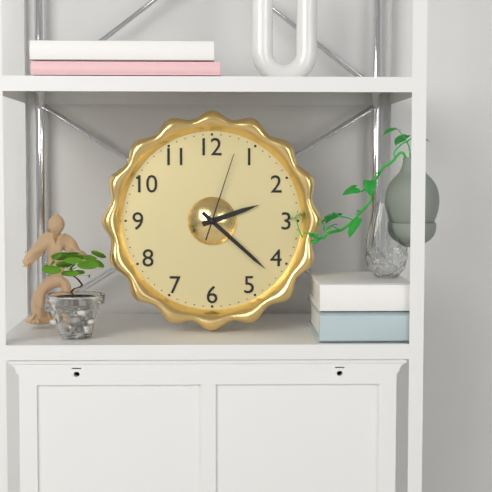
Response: 2:22:03
